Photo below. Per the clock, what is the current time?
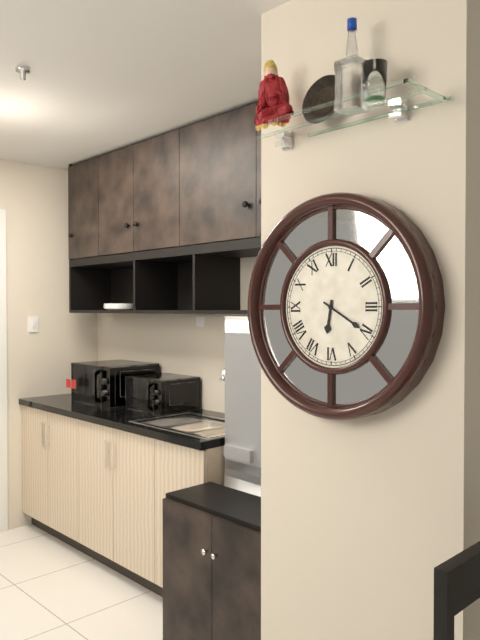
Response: 6:20
